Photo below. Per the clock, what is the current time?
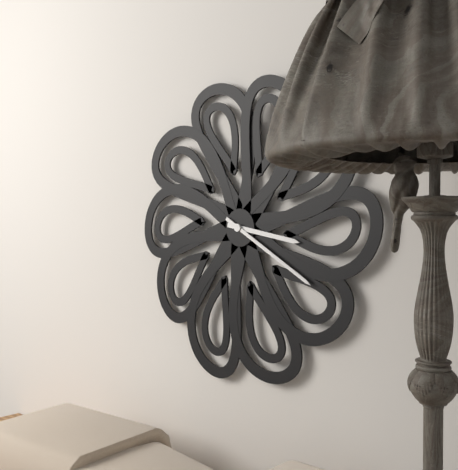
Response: 3:20
